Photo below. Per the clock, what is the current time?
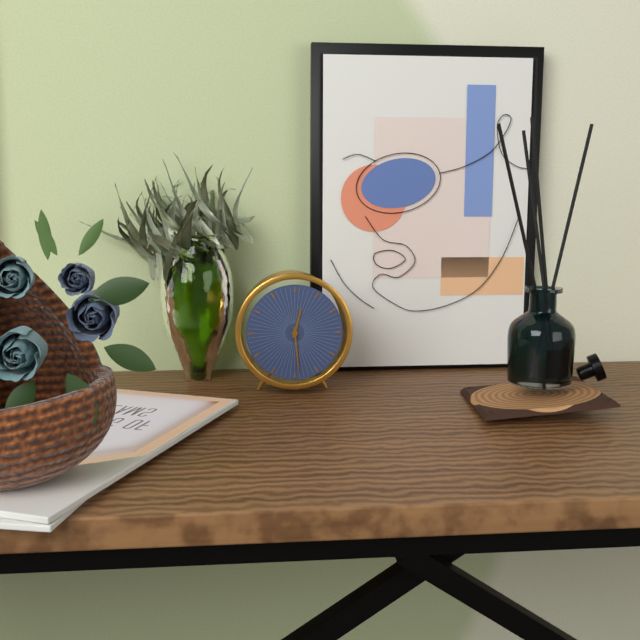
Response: 12:29
